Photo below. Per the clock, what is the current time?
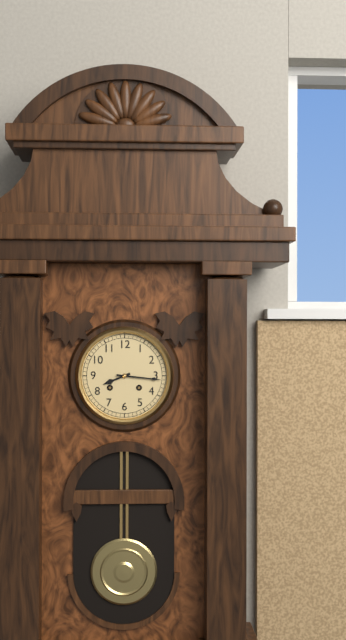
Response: 8:16
